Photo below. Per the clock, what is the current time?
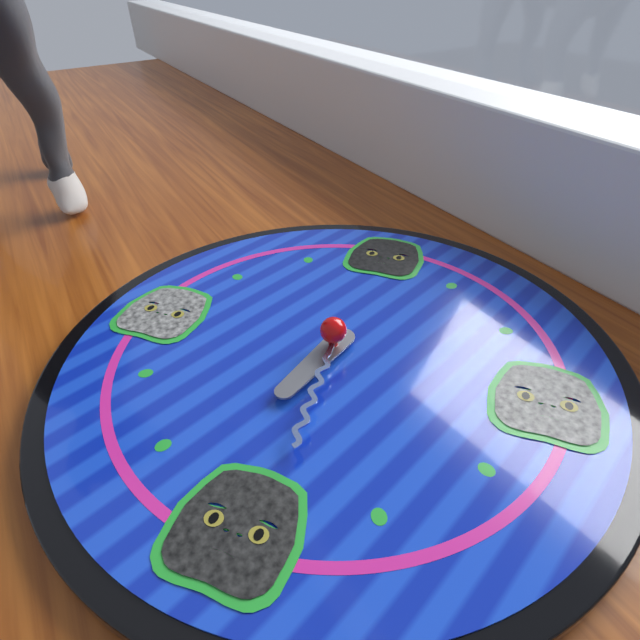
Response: 6:29
